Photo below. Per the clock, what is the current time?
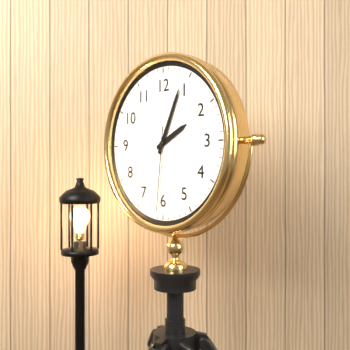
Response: 2:04:31
